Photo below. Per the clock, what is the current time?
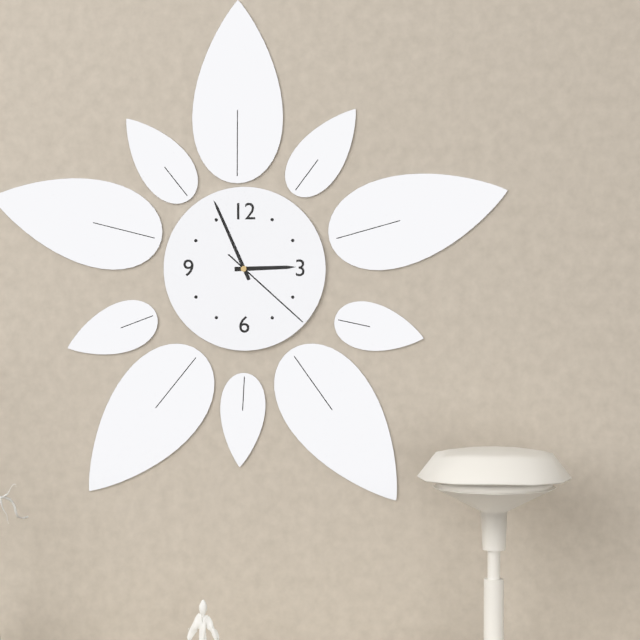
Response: 2:56:22
